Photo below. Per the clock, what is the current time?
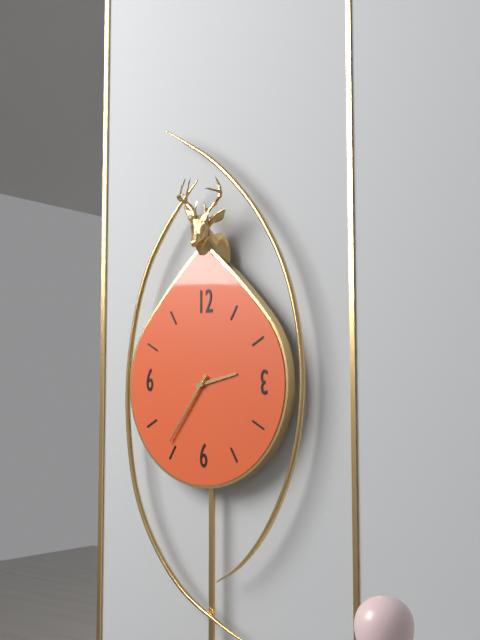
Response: 2:36
